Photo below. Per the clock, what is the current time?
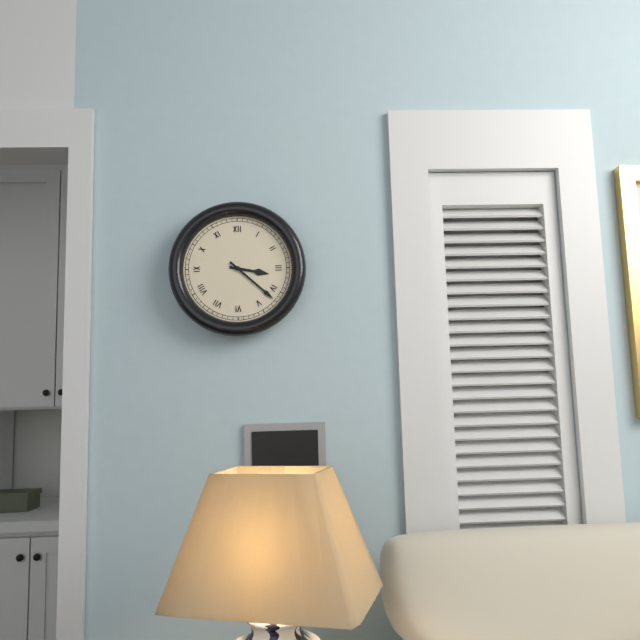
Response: 3:22
